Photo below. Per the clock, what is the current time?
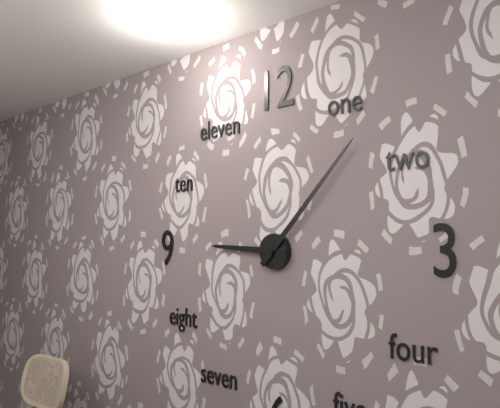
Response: 9:07
